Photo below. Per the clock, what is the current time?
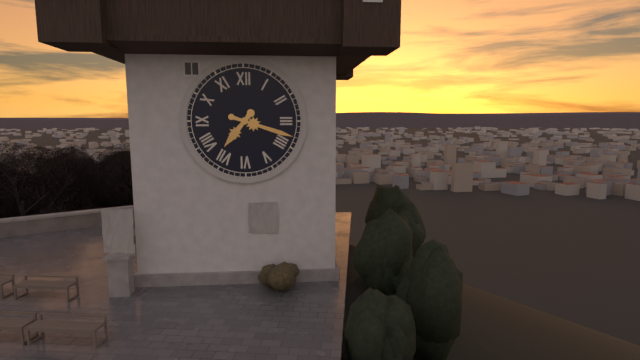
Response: 7:18
